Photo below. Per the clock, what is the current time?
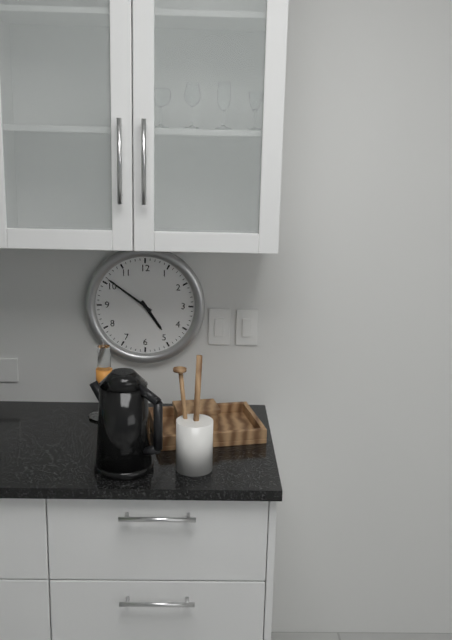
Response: 4:51
